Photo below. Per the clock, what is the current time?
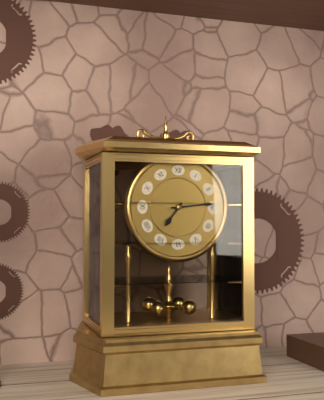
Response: 7:14
